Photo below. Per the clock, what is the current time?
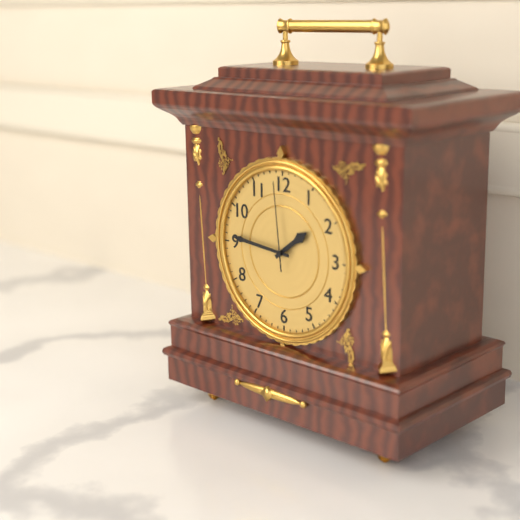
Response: 1:46:59
